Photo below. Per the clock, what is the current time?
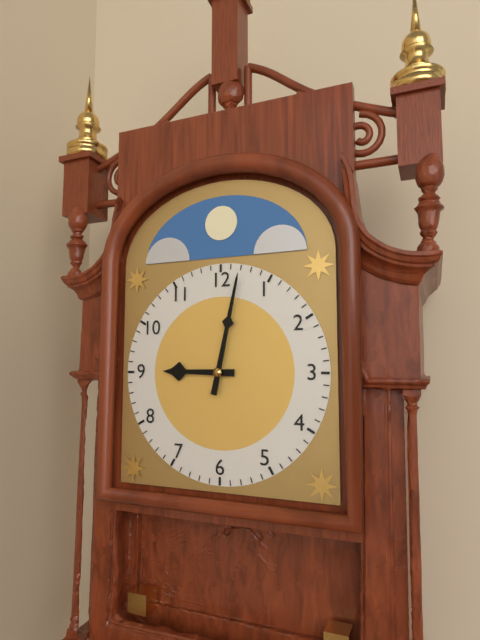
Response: 9:02
